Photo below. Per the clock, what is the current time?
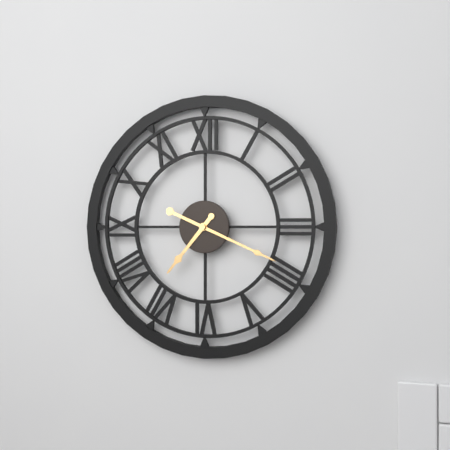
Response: 7:19
